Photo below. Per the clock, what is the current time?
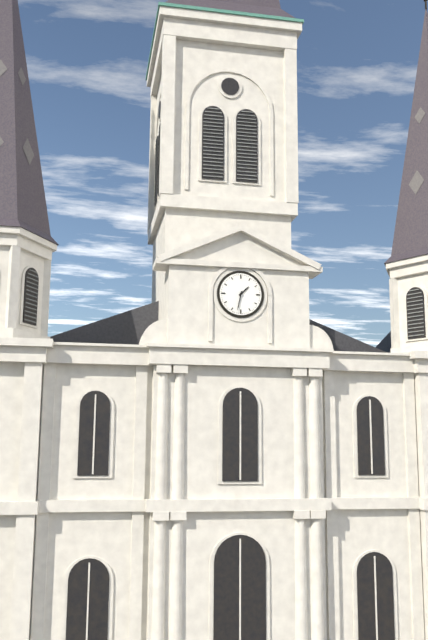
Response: 1:32
